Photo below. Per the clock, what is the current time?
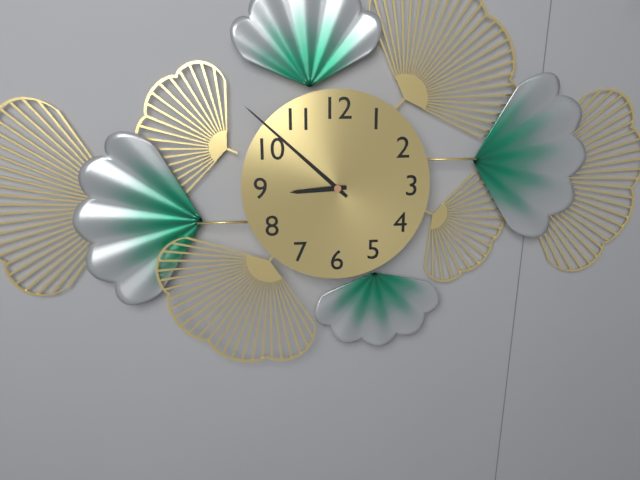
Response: 8:52
